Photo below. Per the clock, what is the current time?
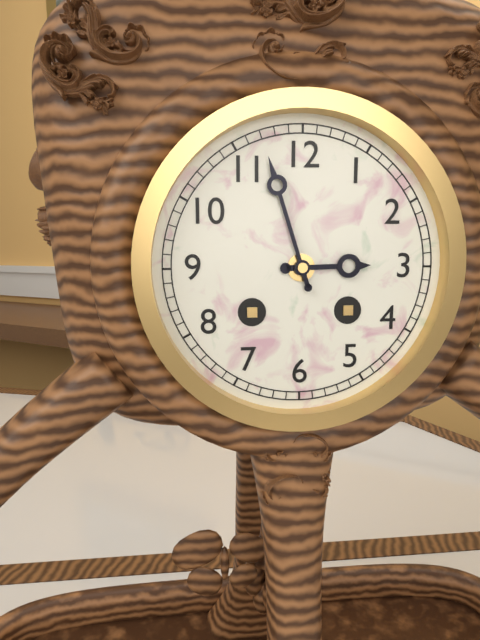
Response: 2:57
